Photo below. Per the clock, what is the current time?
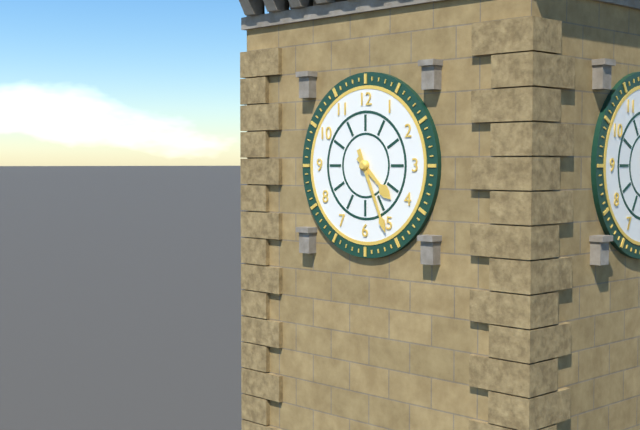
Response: 4:26
